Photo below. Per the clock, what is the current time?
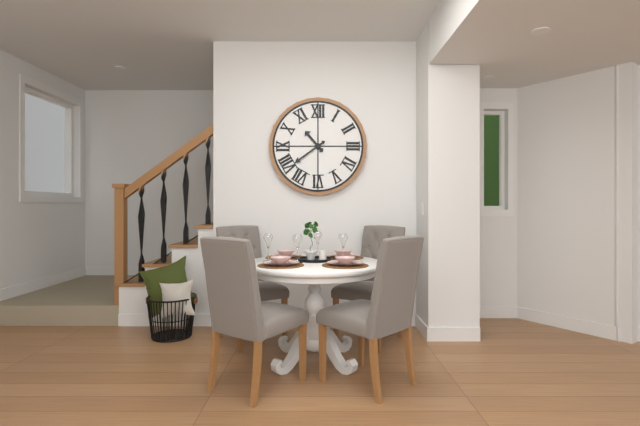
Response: 10:39
